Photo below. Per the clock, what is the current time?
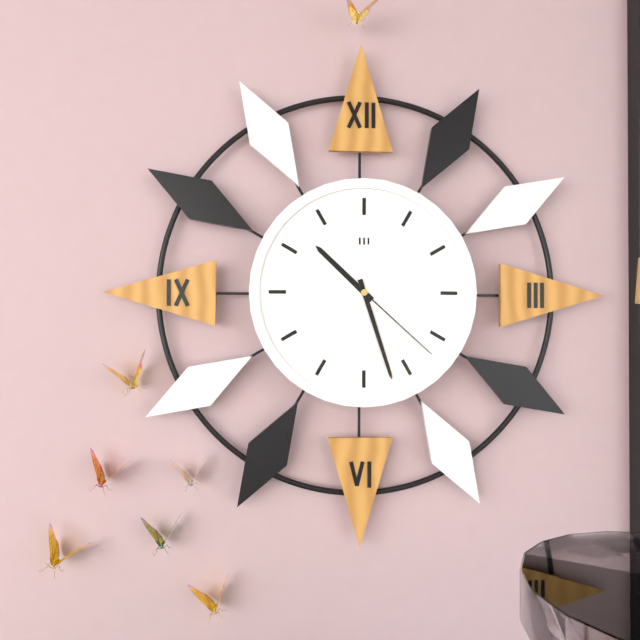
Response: 10:27:22
